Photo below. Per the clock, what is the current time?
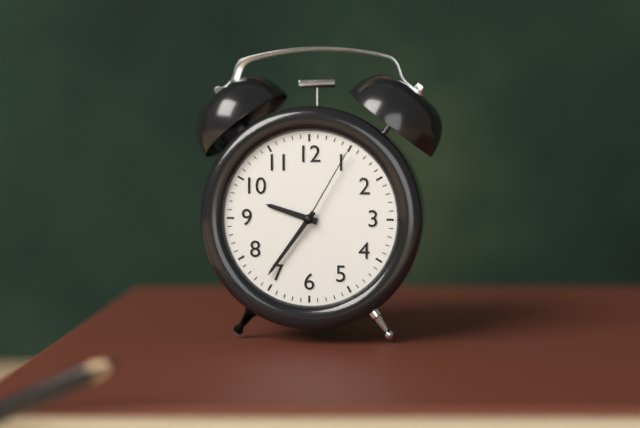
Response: 9:36:05
